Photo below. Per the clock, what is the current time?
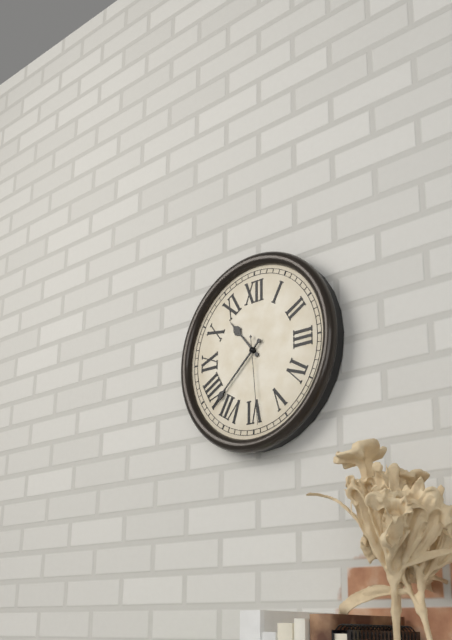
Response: 10:38:29
